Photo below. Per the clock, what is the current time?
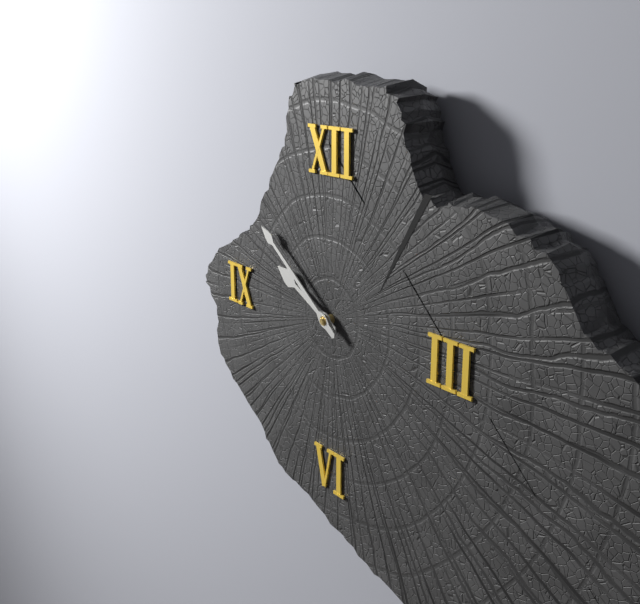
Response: 9:51
